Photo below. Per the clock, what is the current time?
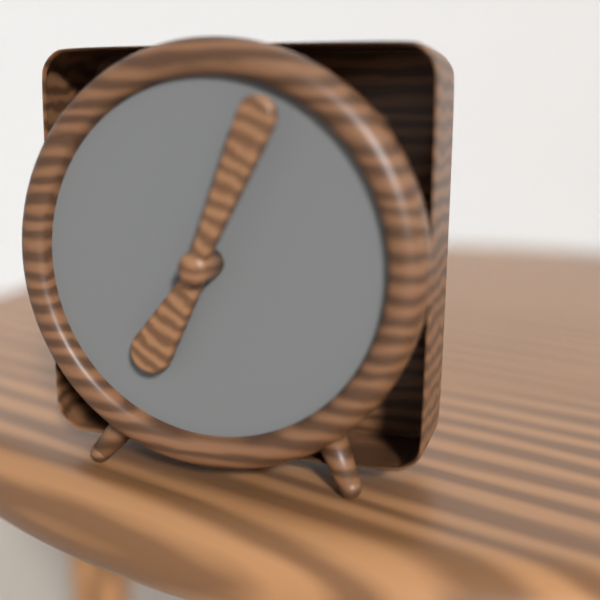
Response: 7:04
